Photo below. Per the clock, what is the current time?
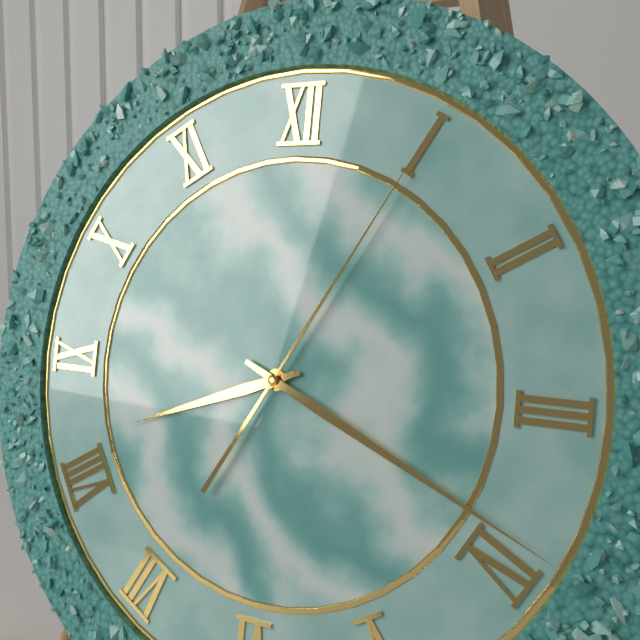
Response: 8:19:05
